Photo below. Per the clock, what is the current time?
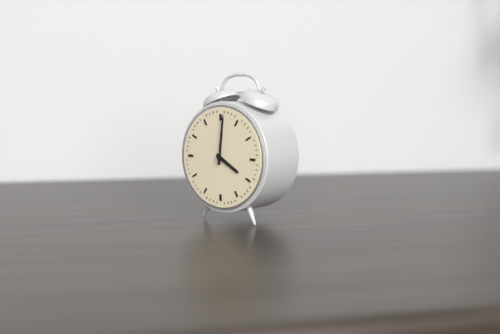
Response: 4:01
